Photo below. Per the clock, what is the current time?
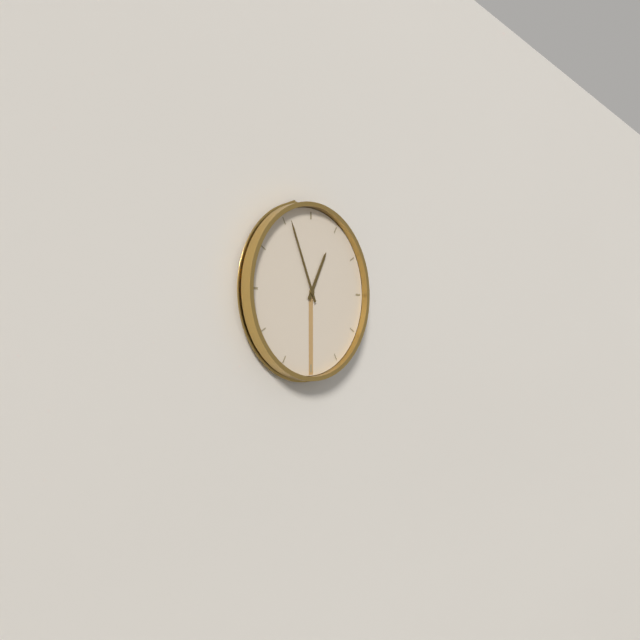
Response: 12:56
